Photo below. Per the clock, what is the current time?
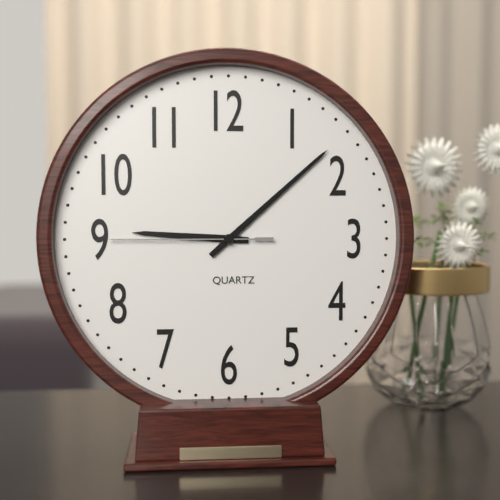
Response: 9:08:45
